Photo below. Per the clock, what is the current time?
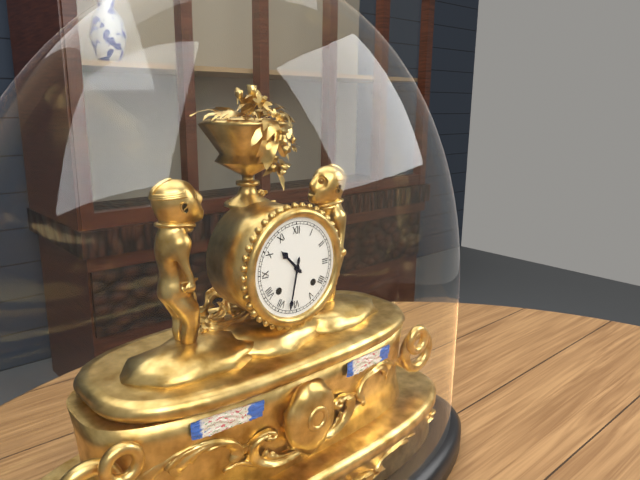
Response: 10:32
